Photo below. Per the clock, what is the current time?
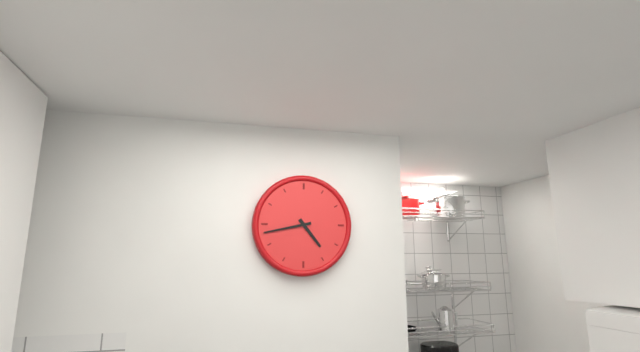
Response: 4:43
